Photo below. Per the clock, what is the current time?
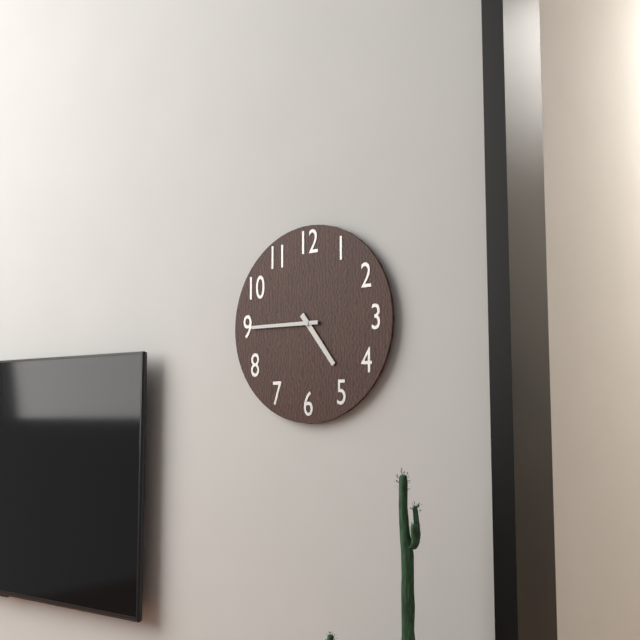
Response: 4:45
